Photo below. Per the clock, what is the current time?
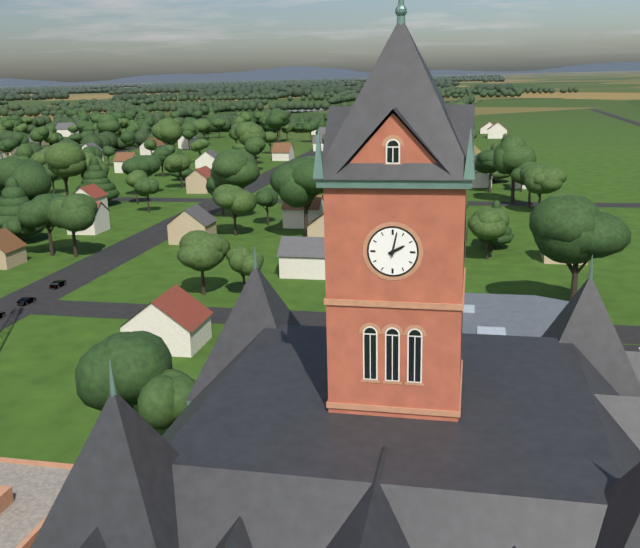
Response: 2:02
